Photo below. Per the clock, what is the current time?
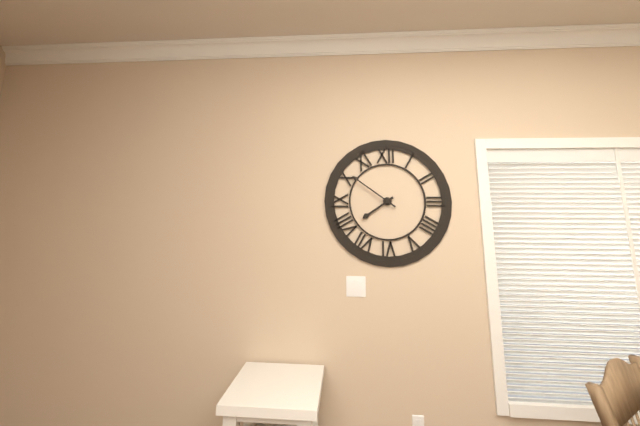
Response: 7:51
